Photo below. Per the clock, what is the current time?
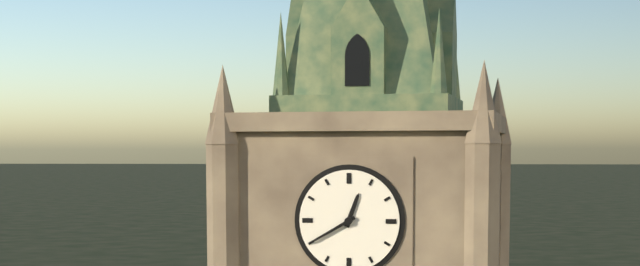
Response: 12:40
